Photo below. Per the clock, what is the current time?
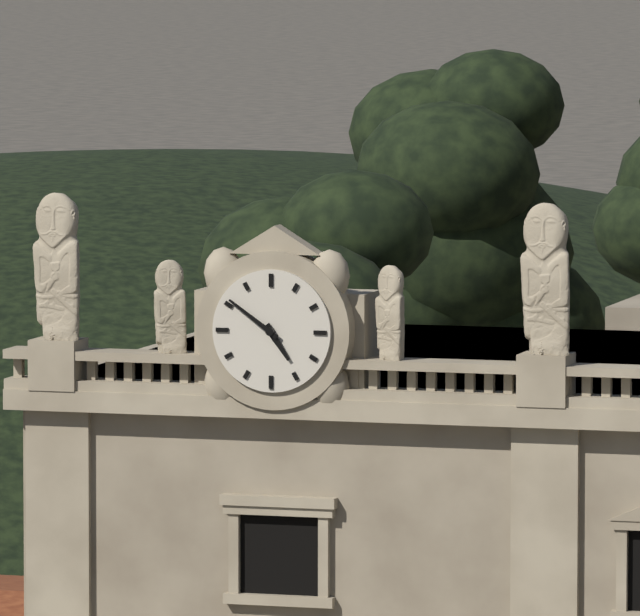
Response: 4:51
